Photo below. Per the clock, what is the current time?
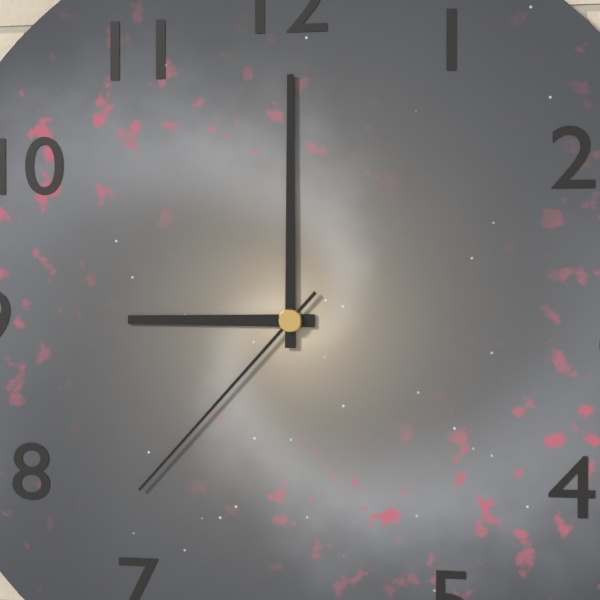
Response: 9:00:37
